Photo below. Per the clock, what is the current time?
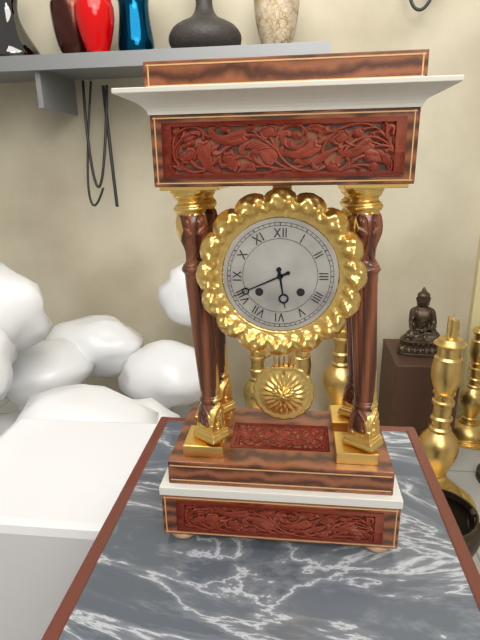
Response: 5:41
